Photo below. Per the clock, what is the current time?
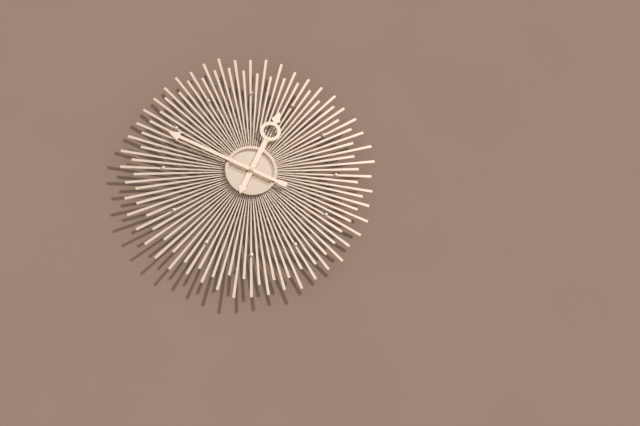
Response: 12:49
